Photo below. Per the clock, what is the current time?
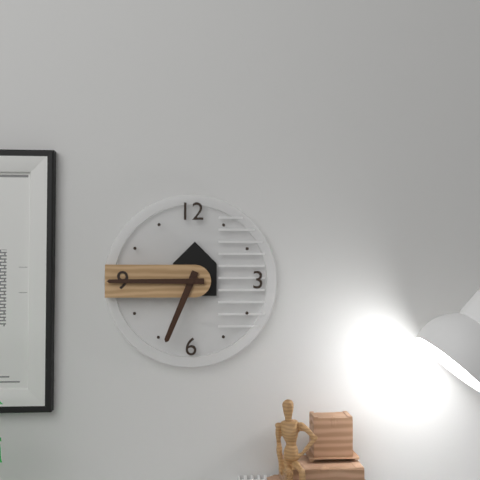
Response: 6:45
